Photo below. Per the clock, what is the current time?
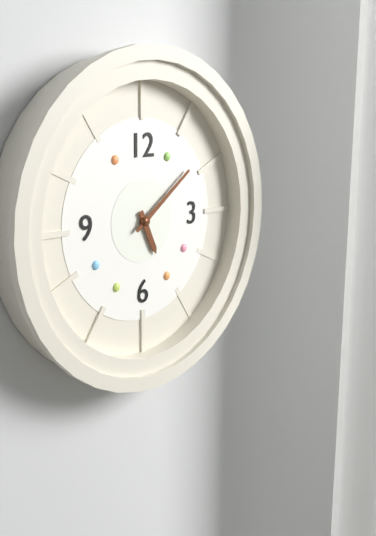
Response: 5:09
